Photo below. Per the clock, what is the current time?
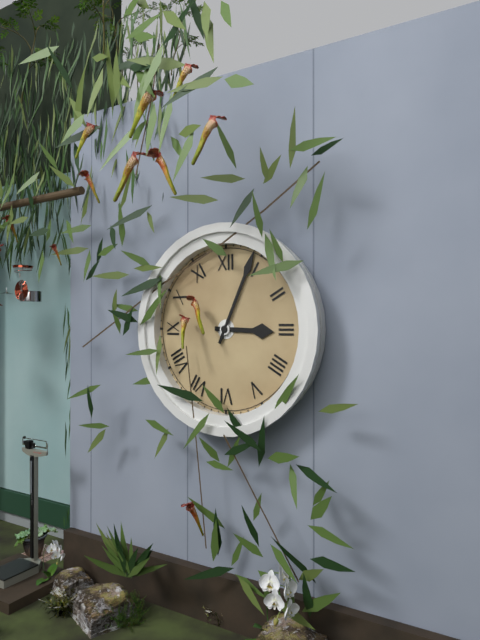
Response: 3:04
